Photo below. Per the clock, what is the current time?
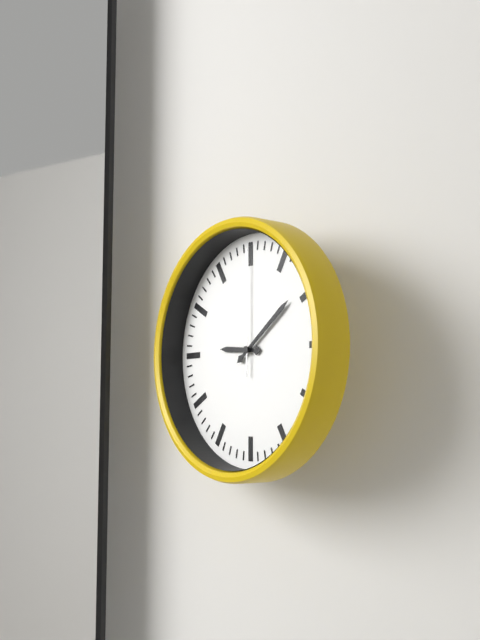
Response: 9:09:00
